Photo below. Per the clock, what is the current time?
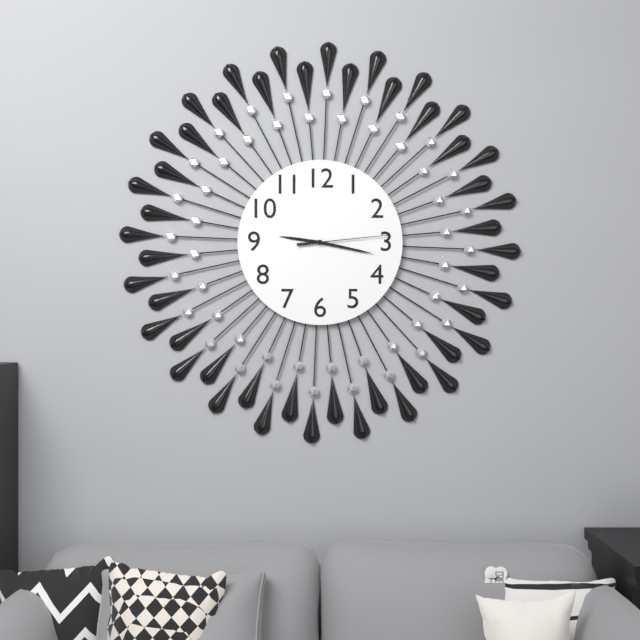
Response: 9:17:14
